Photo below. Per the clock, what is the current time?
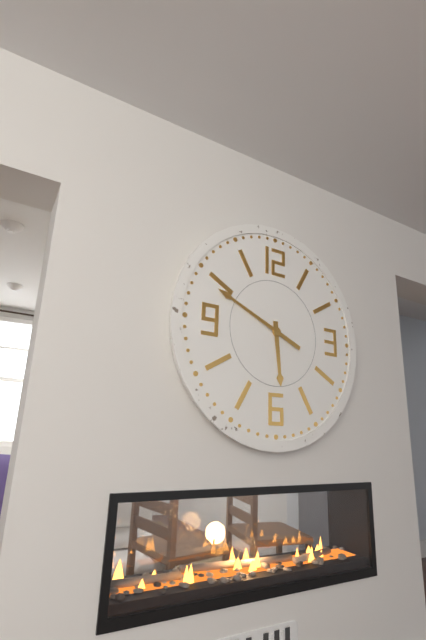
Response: 5:49
